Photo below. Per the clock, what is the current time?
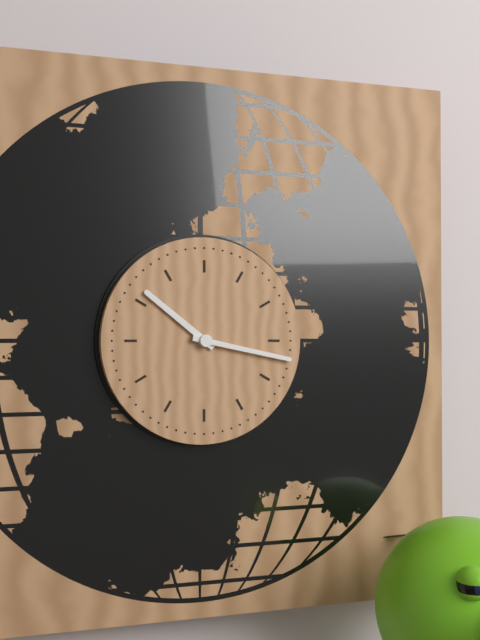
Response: 10:17
